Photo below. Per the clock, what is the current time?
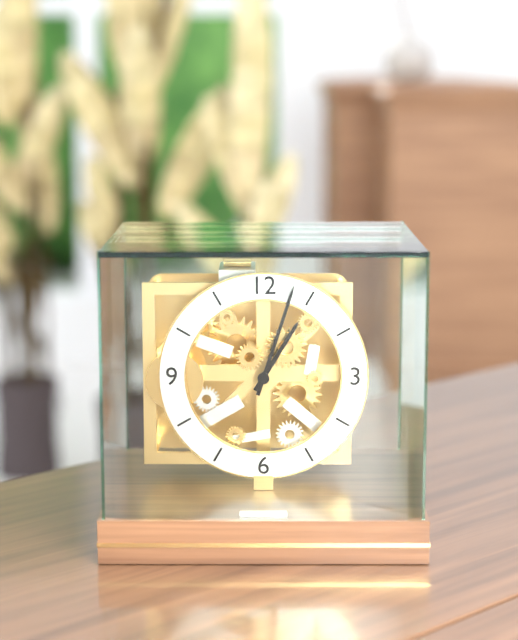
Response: 1:03
